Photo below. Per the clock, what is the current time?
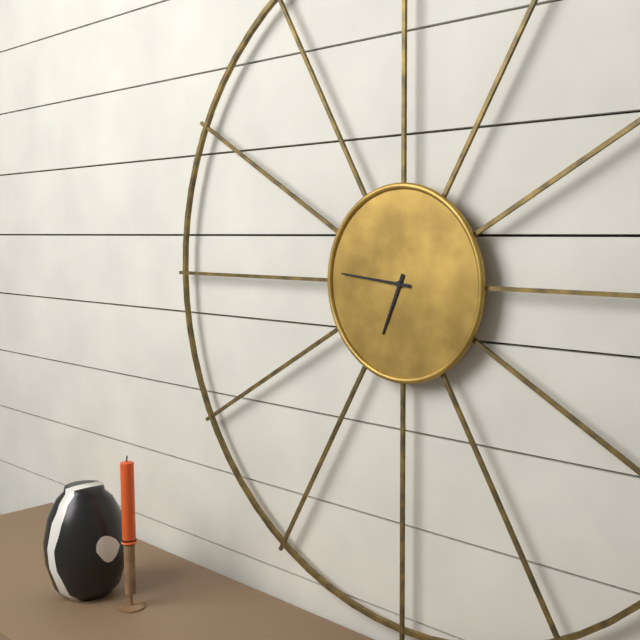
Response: 6:46
